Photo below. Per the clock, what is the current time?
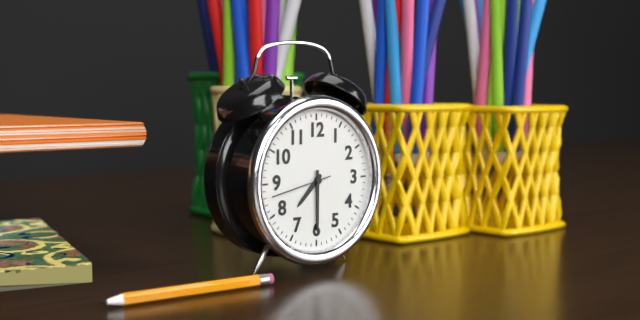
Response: 7:30:43
